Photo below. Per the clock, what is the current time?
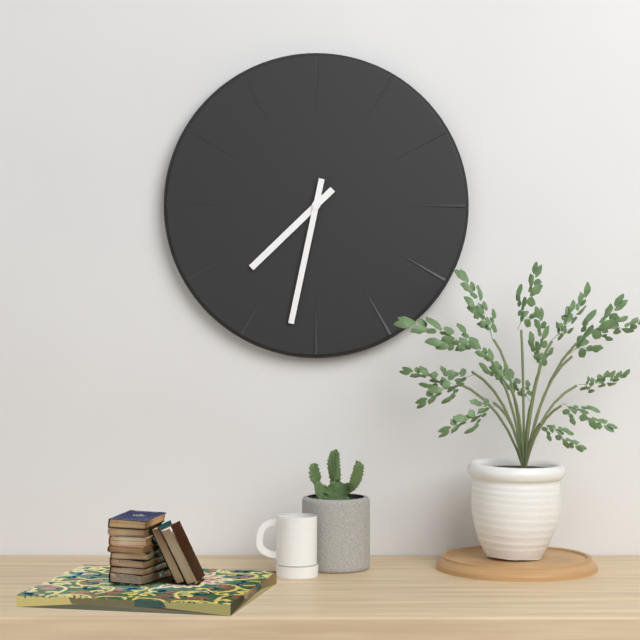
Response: 7:32
